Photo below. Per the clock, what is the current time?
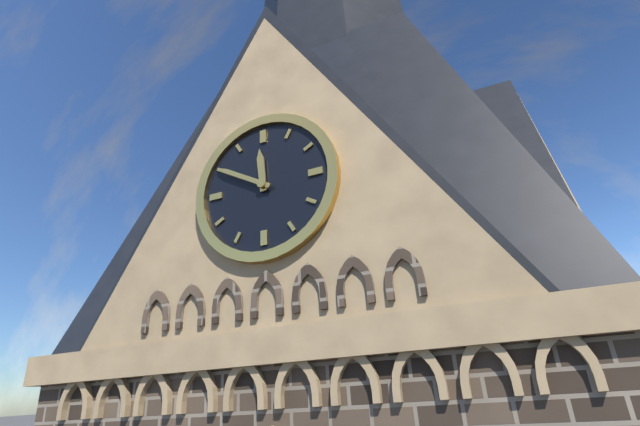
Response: 11:50
